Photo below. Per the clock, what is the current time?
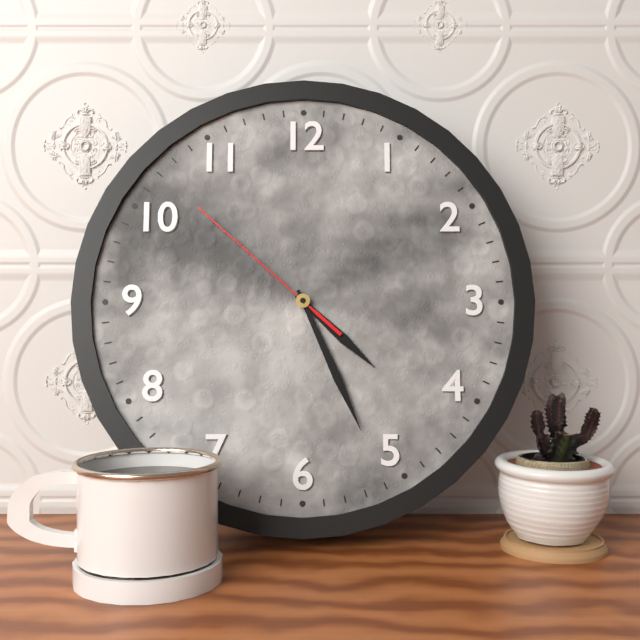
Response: 4:26:52
